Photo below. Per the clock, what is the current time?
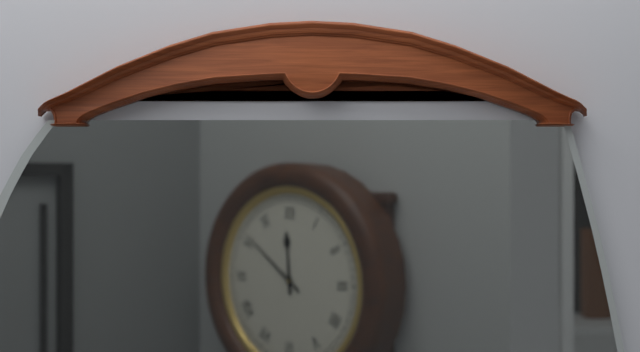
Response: 11:51
